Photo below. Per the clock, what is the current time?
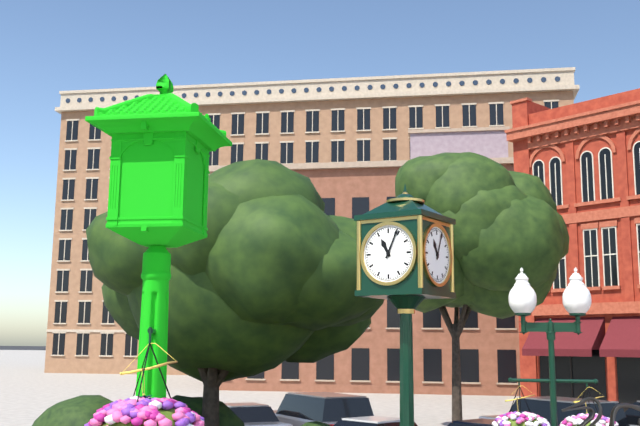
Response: 11:04
